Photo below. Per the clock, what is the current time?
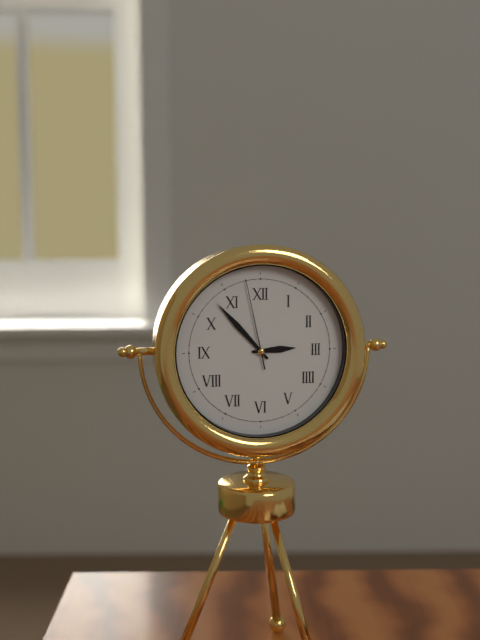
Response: 2:53:58
